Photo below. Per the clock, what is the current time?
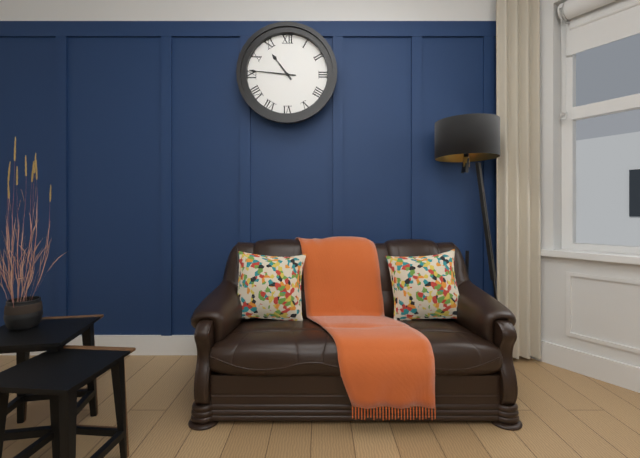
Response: 10:46
